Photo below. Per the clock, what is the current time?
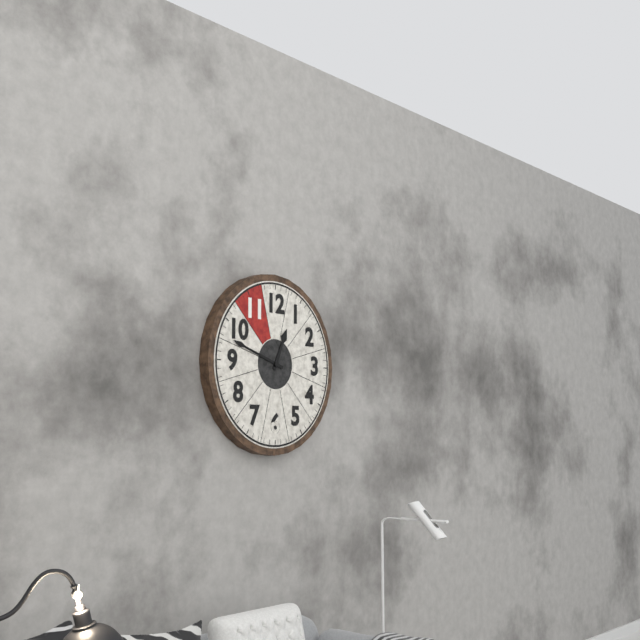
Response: 12:48
